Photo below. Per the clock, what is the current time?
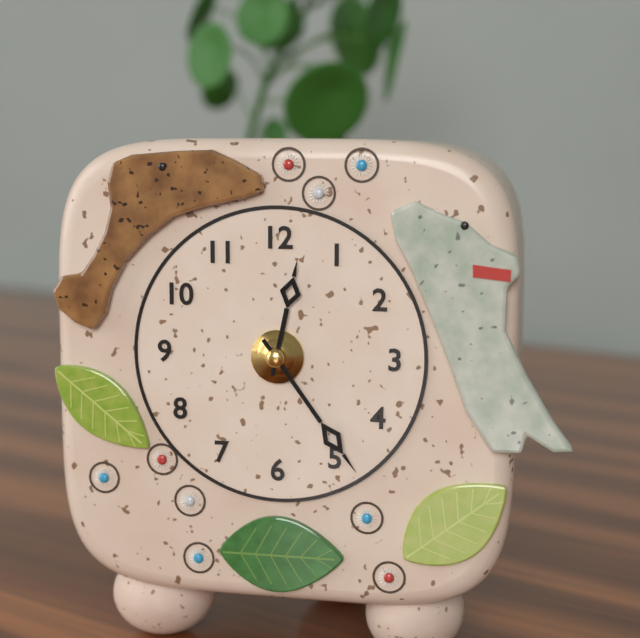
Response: 12:24
